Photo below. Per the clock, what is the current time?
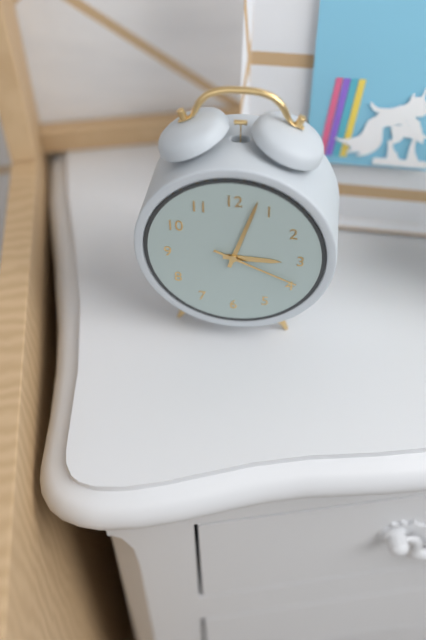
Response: 3:03:19
